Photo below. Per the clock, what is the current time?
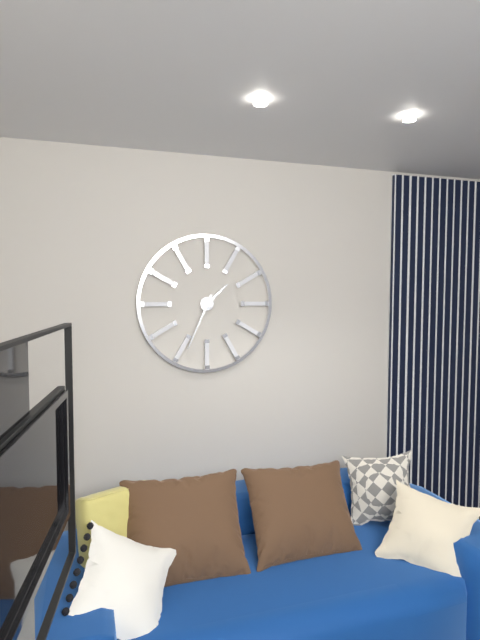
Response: 1:34
